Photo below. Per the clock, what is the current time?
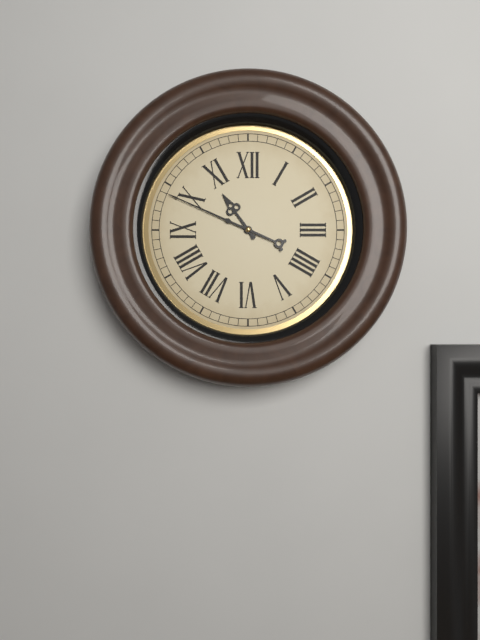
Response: 10:49
